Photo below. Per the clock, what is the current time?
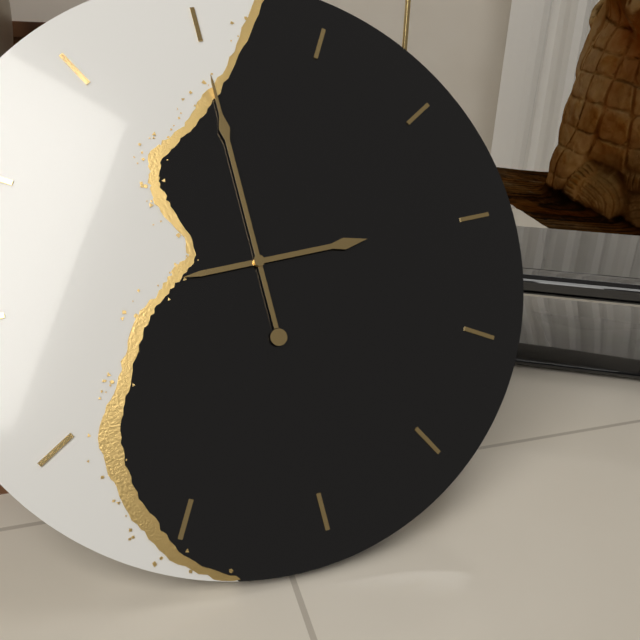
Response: 3:00
